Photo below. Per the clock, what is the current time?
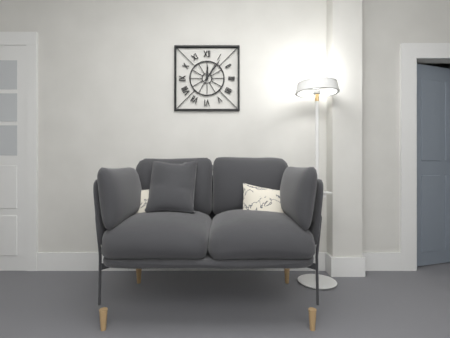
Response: 12:06
